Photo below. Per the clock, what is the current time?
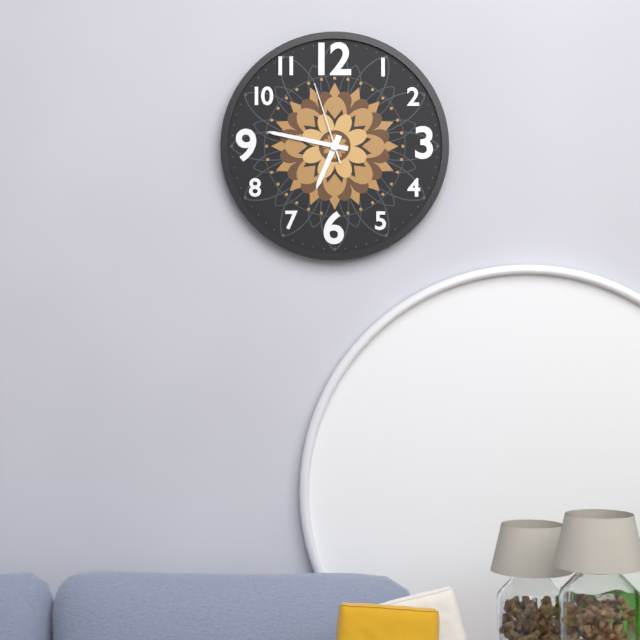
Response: 6:47:57
